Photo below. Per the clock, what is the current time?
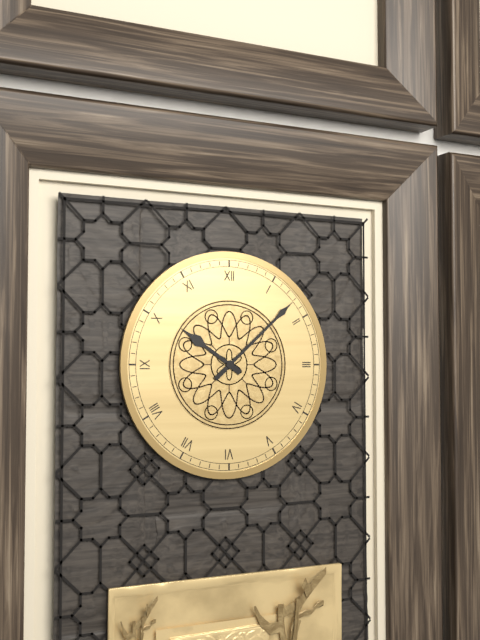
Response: 10:08
